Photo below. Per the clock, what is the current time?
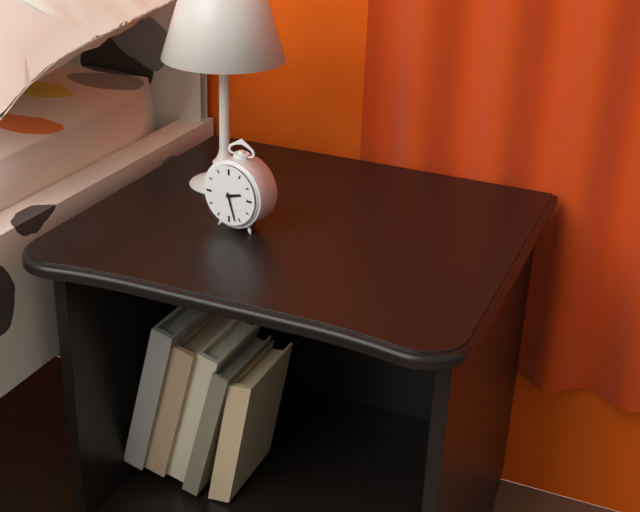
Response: 2:27
